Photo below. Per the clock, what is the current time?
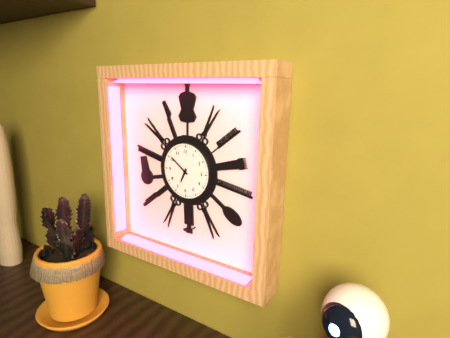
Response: 6:51
